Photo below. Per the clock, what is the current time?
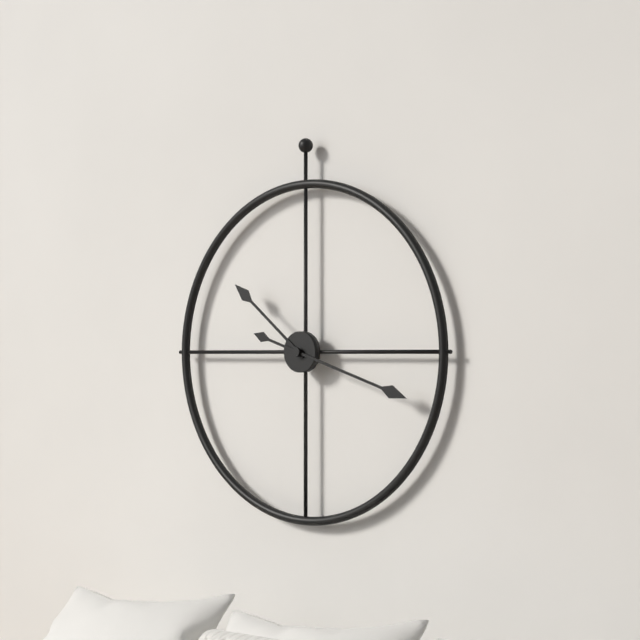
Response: 10:18
